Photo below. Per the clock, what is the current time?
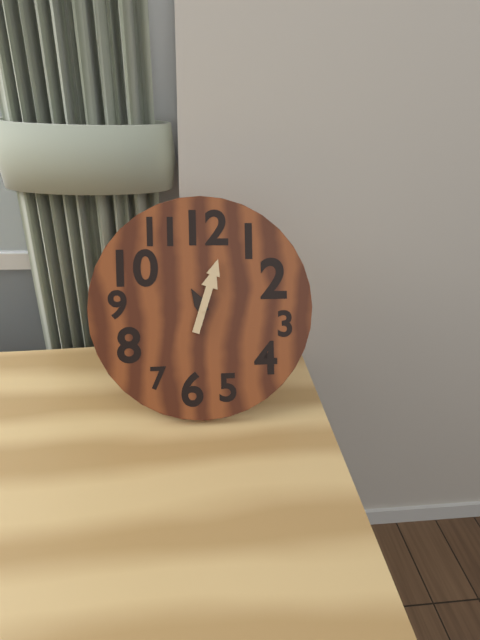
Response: 11:03
